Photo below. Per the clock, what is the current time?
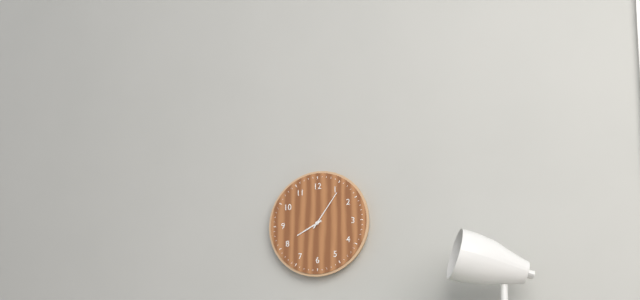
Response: 8:06
